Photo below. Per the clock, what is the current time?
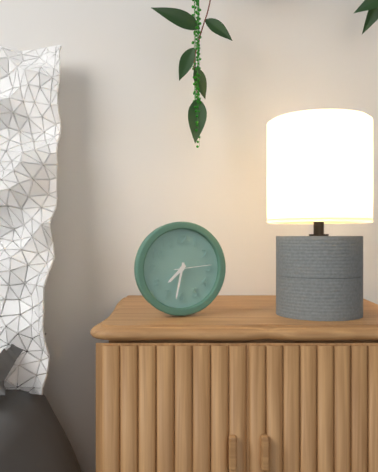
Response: 7:32
